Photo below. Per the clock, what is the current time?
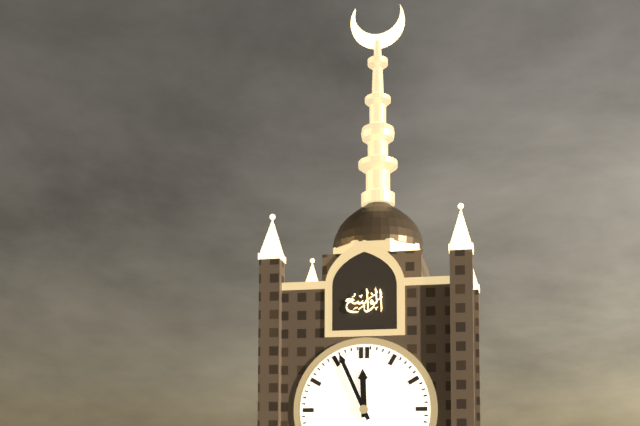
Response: 11:56
